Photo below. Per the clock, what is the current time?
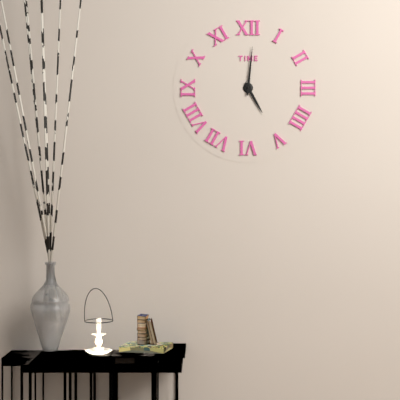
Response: 5:01
